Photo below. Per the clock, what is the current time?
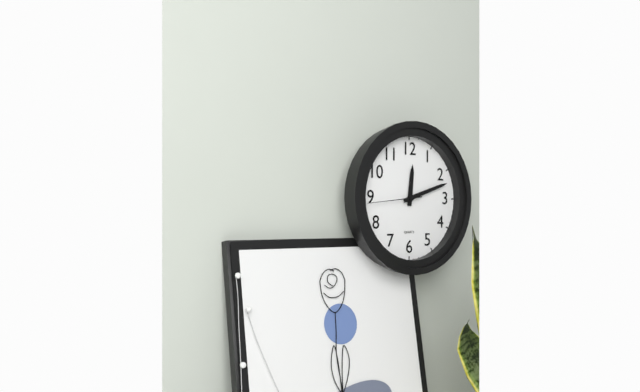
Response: 12:12:44
